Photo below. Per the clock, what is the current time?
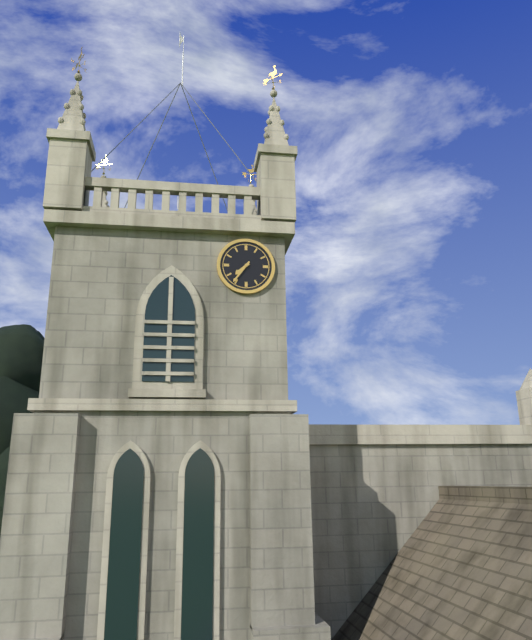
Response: 7:36
